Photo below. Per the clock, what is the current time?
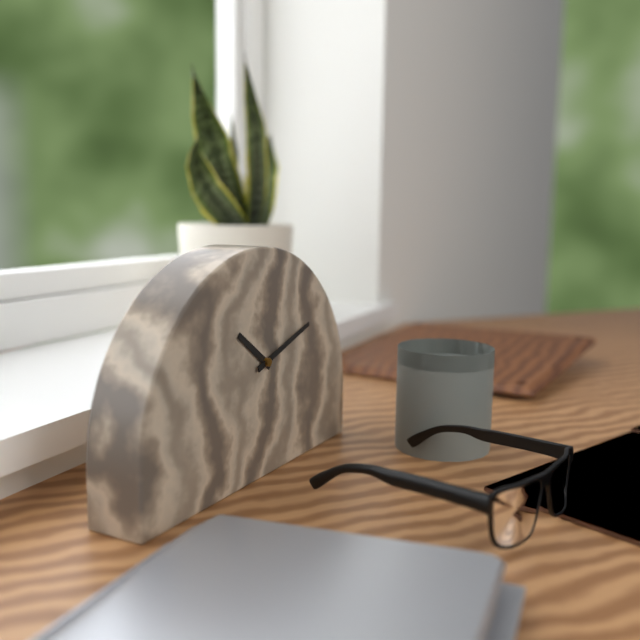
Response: 10:12
